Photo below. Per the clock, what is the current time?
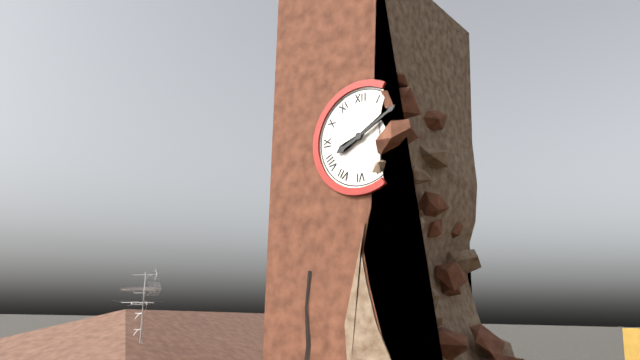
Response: 8:10
